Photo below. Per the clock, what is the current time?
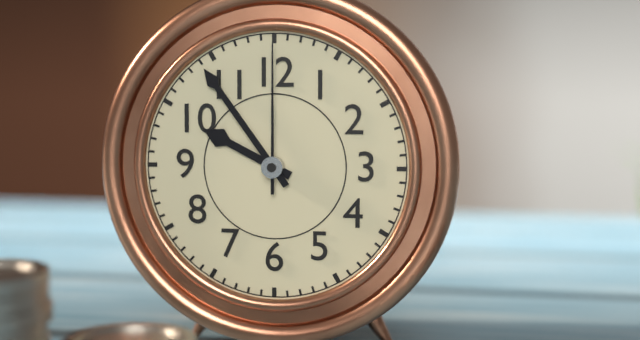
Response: 9:54:00
